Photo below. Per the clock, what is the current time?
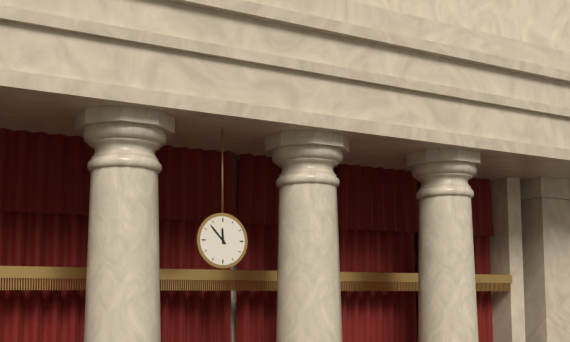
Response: 11:53
